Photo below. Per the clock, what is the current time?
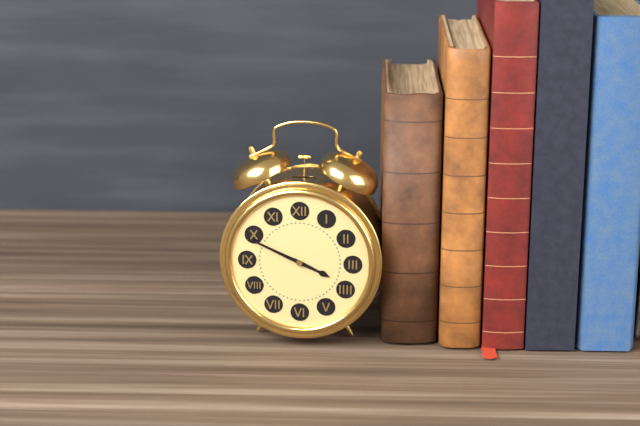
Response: 3:49
